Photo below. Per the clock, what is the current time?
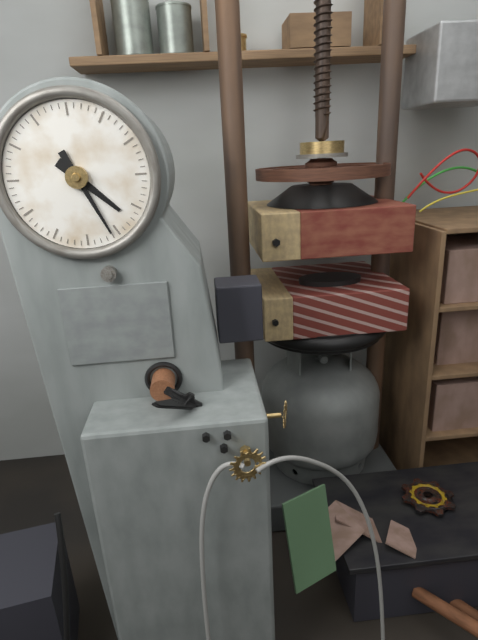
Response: 4:26
